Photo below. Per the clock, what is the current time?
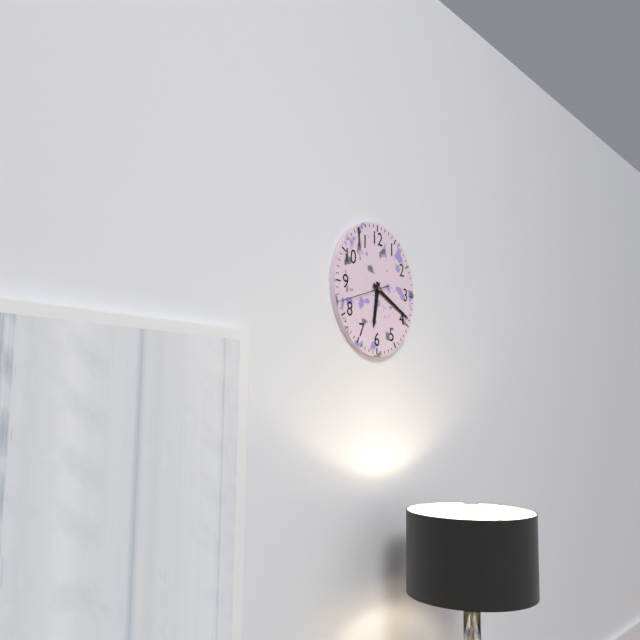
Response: 6:19
